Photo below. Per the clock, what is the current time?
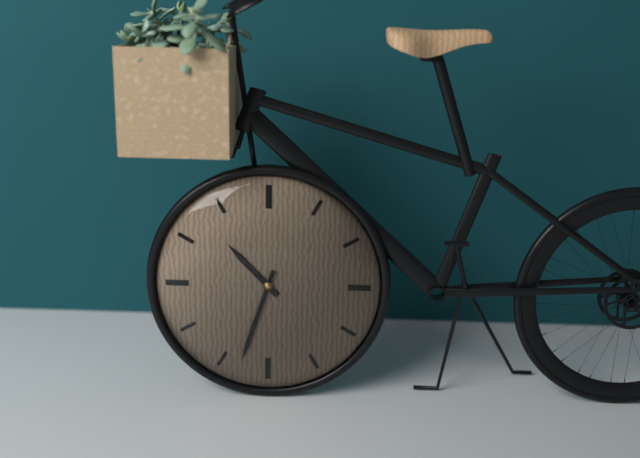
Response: 10:33
